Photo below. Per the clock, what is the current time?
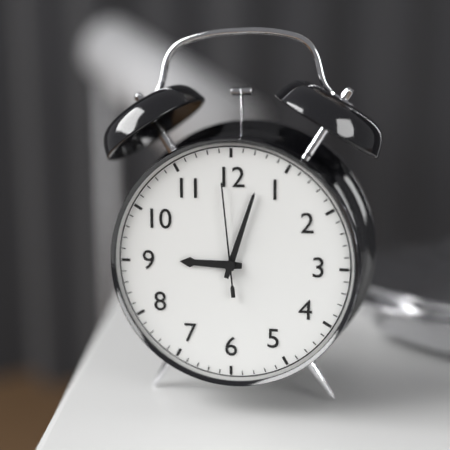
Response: 9:03:59
